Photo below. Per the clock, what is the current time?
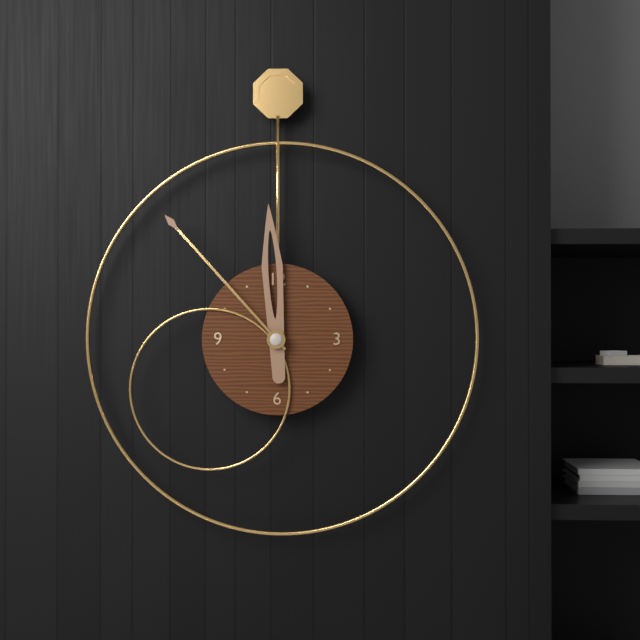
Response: 11:53
